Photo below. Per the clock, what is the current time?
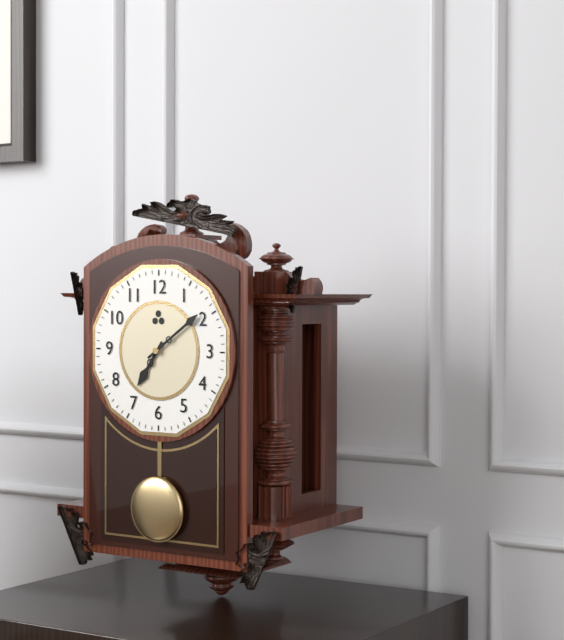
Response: 7:09
